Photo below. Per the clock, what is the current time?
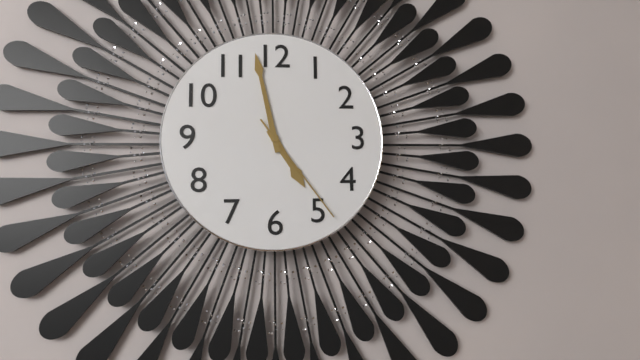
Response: 4:58:24
